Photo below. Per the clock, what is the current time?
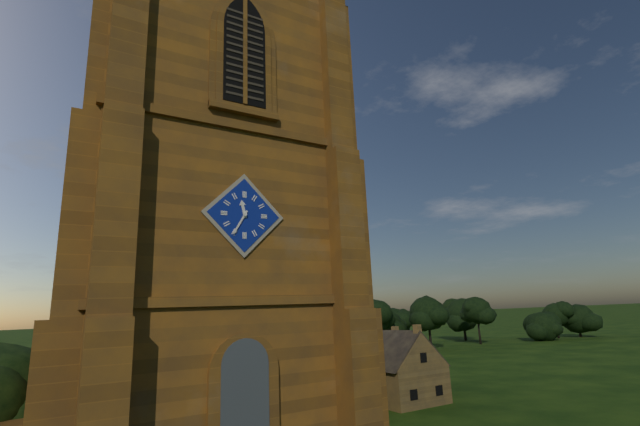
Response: 11:35
